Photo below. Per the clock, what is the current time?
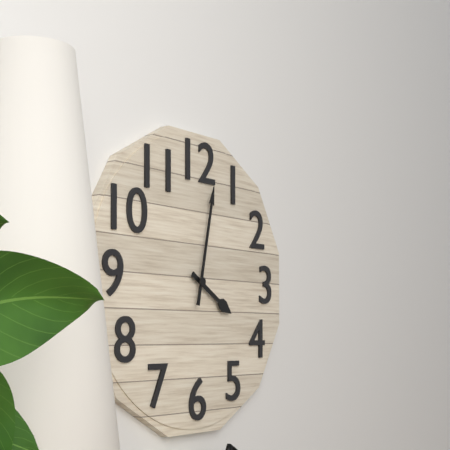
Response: 4:02
